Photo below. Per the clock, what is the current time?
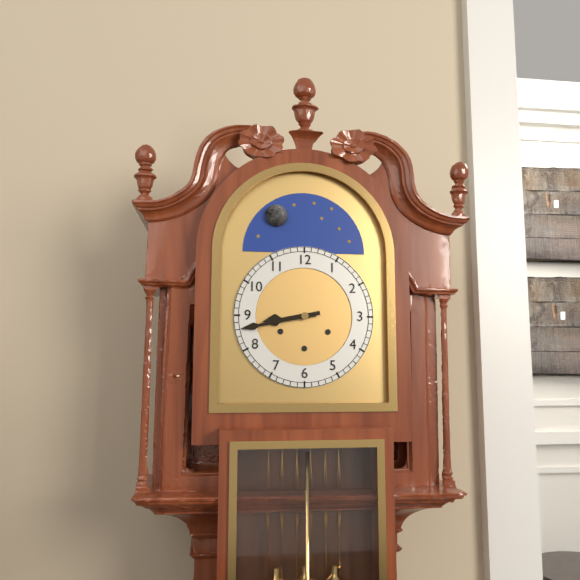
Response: 8:43
